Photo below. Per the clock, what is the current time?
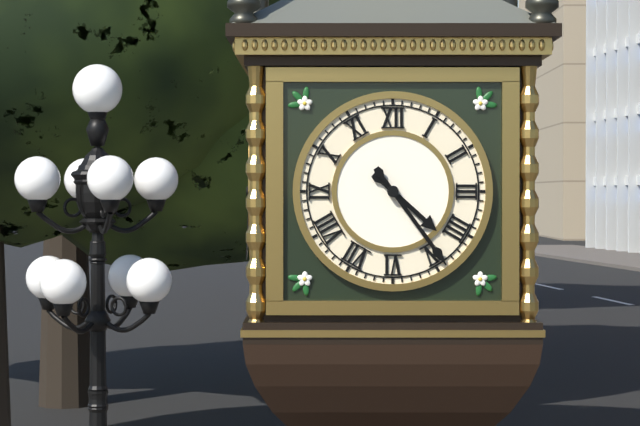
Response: 4:24
